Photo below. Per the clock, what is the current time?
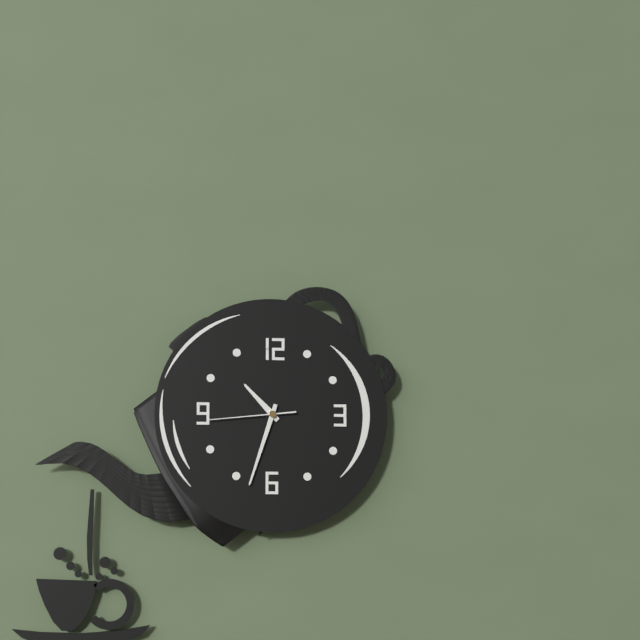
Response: 10:33:44
